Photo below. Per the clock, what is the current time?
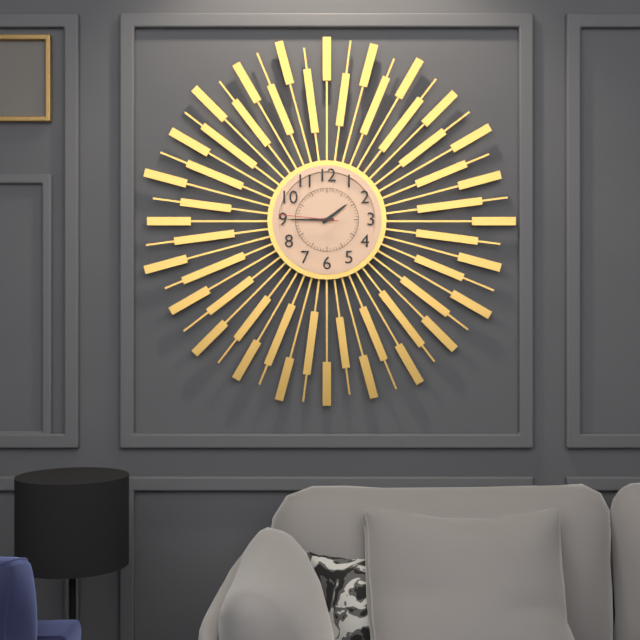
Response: 1:45:46
